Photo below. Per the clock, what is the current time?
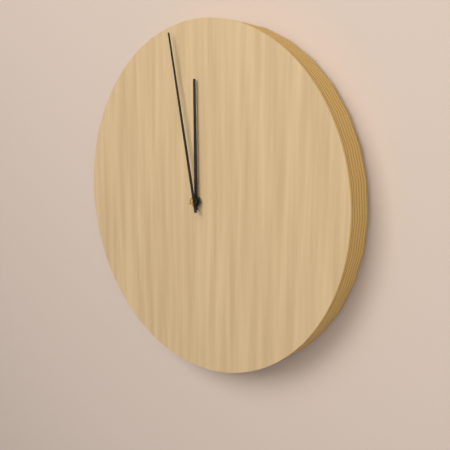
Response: 11:58
